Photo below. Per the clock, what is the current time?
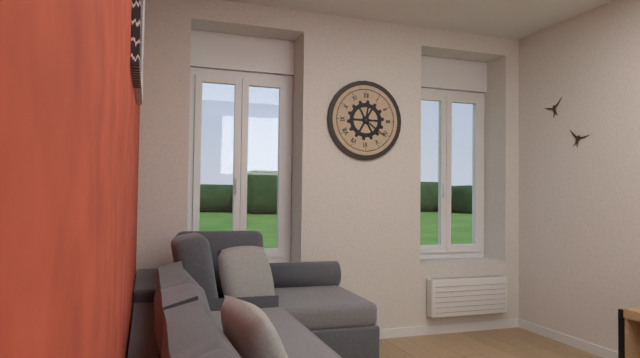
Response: 12:21
